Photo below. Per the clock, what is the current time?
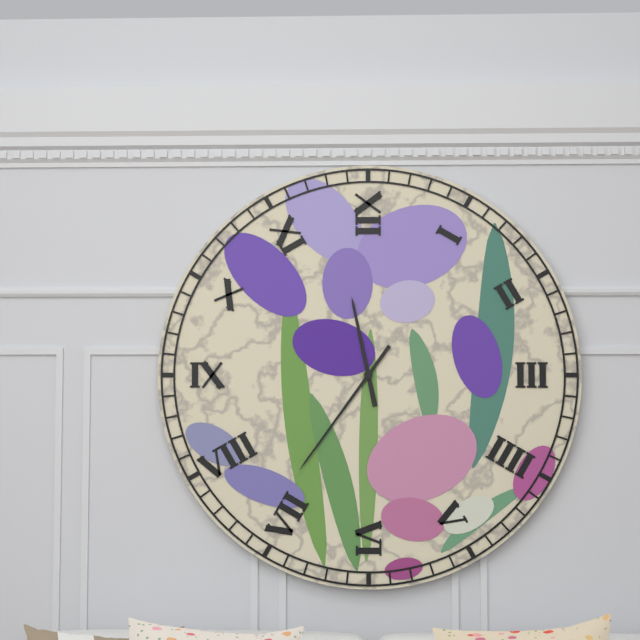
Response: 11:36
